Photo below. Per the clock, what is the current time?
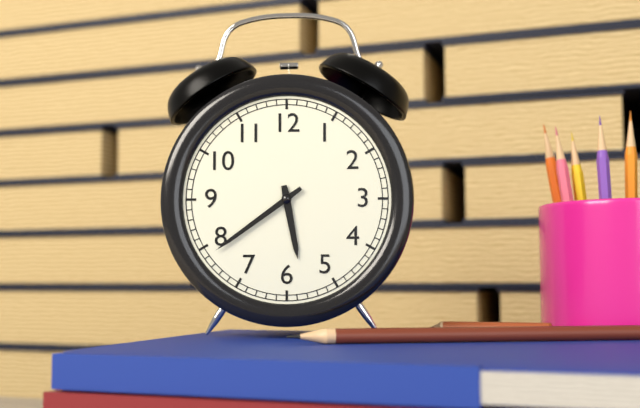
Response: 5:39
